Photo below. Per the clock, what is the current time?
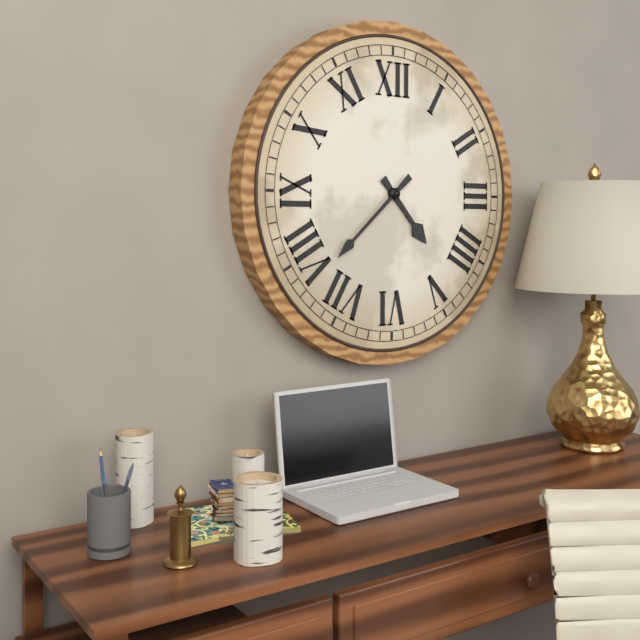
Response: 4:38
